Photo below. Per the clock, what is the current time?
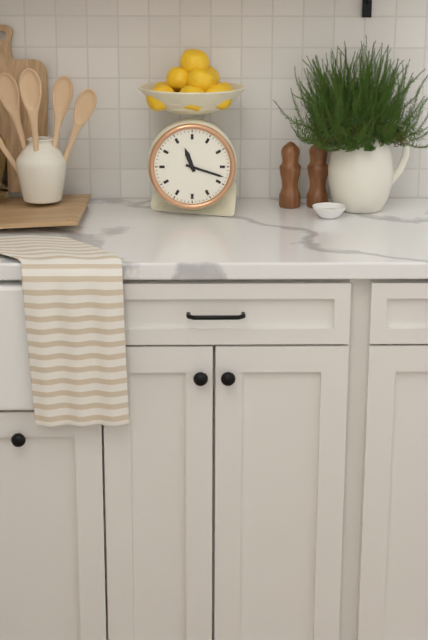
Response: 11:18
